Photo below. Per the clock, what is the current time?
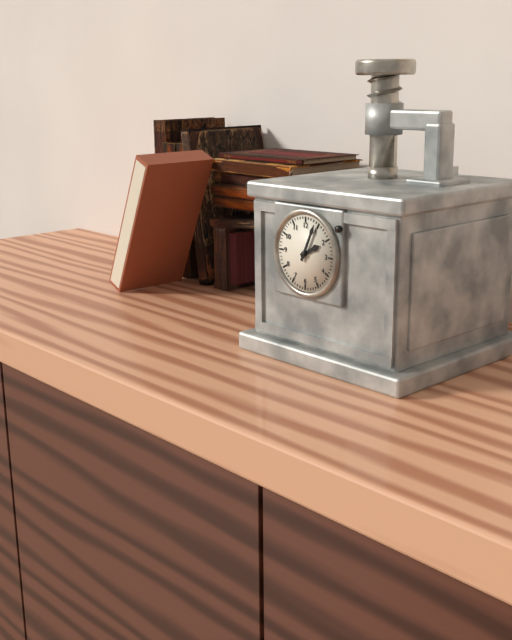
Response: 2:04
